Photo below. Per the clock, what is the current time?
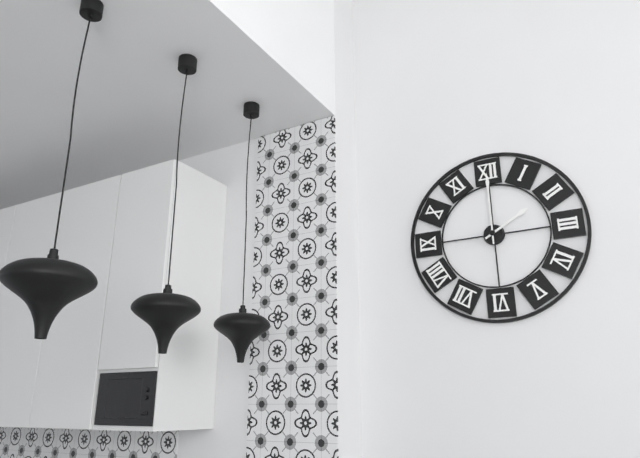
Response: 2:00
